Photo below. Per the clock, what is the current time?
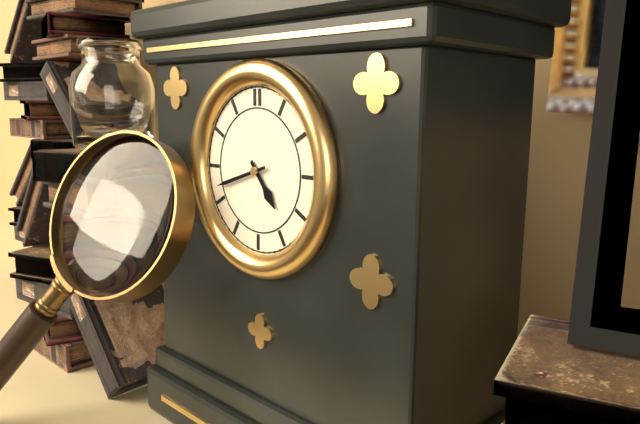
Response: 4:42
